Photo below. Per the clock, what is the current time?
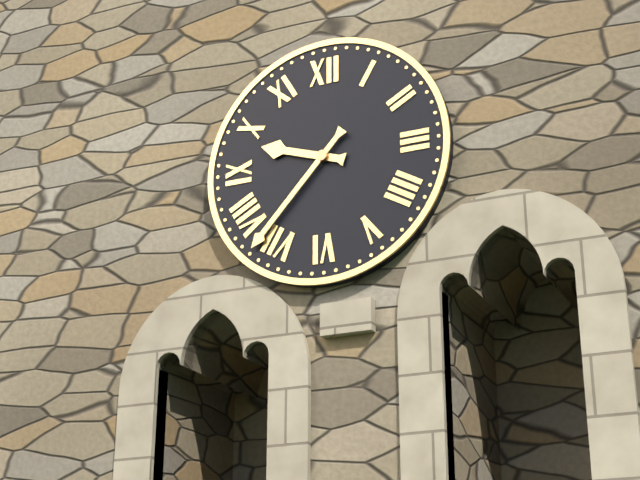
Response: 9:37
